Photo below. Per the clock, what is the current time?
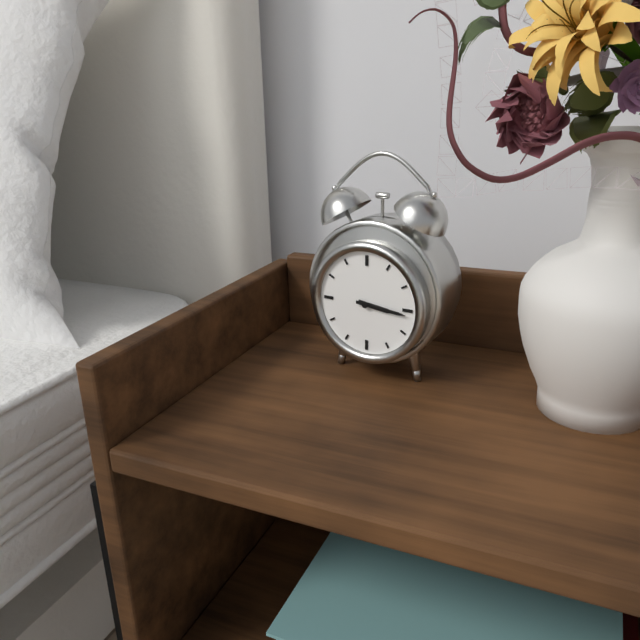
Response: 3:16
